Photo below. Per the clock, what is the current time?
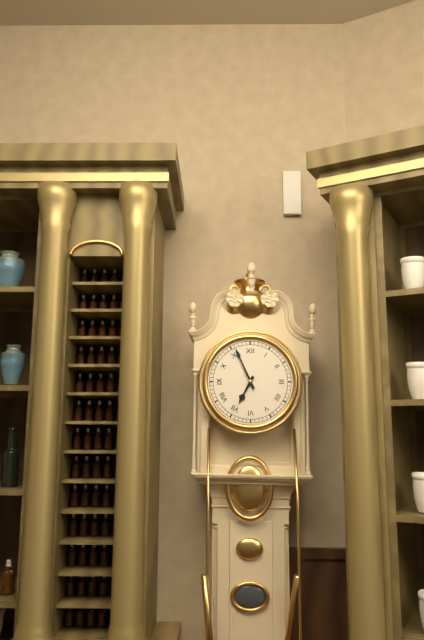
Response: 6:56
